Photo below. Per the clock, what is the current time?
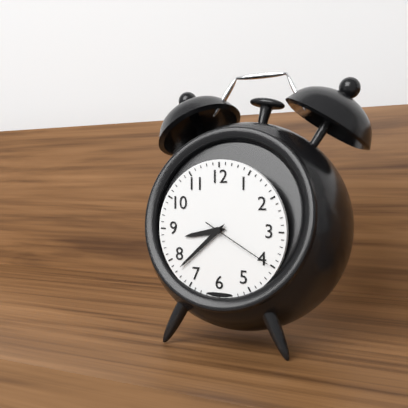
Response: 8:38:20
